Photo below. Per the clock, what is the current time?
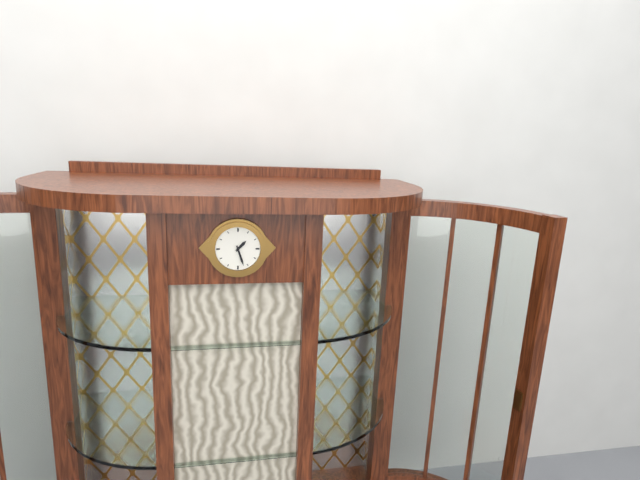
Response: 1:27
